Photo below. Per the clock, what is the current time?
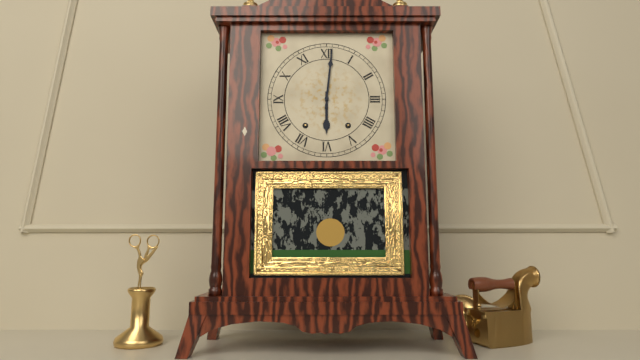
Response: 6:01
